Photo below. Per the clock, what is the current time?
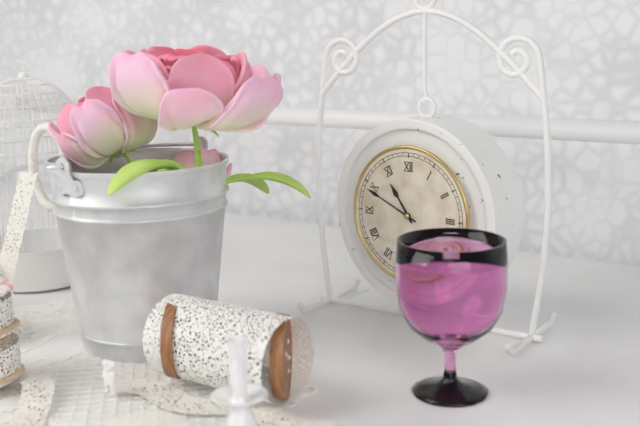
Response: 10:49
